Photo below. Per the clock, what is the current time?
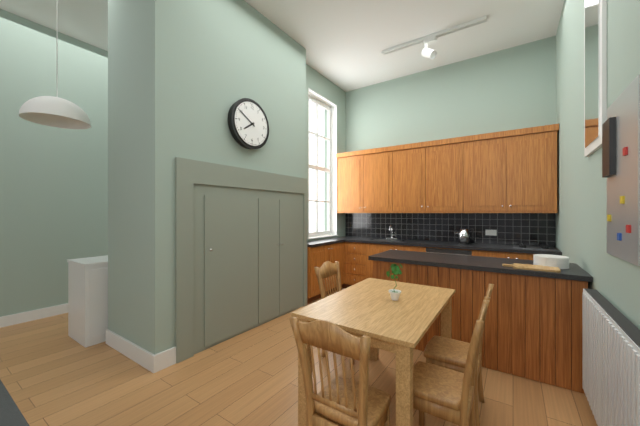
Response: 7:50
